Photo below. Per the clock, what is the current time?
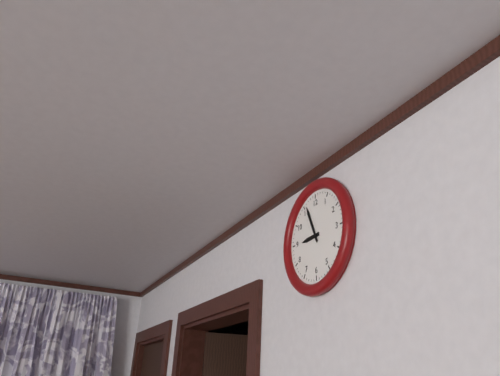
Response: 8:56
